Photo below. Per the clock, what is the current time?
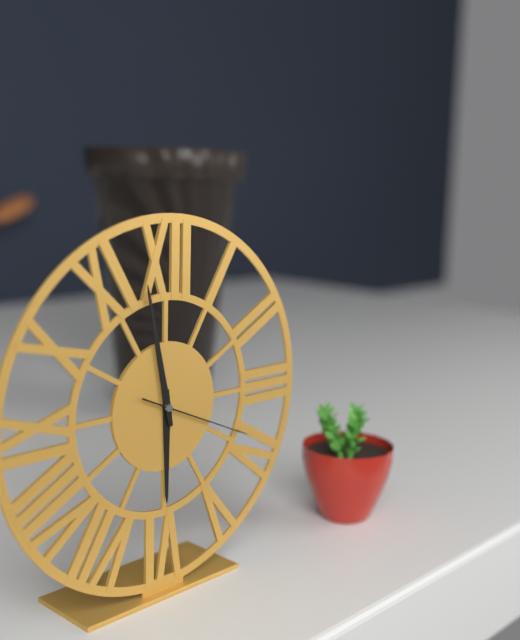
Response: 5:58:19
